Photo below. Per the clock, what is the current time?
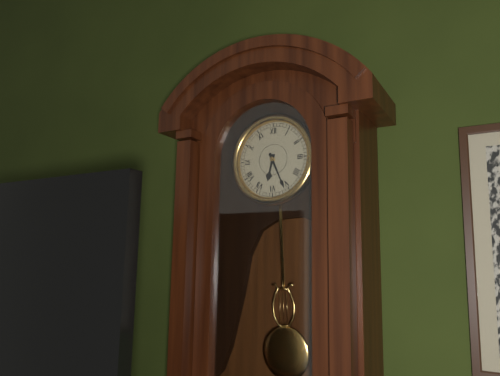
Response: 6:26
